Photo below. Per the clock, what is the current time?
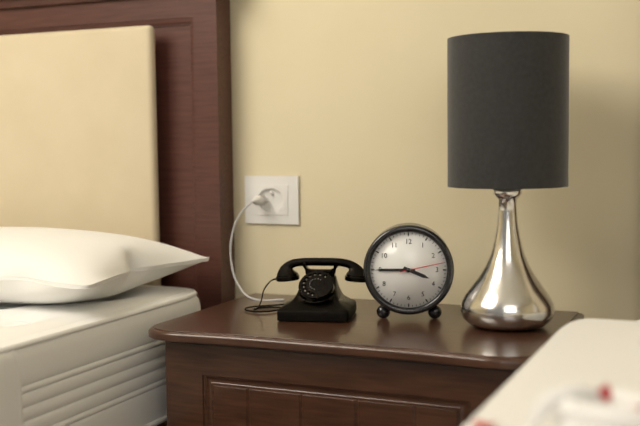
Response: 3:45
